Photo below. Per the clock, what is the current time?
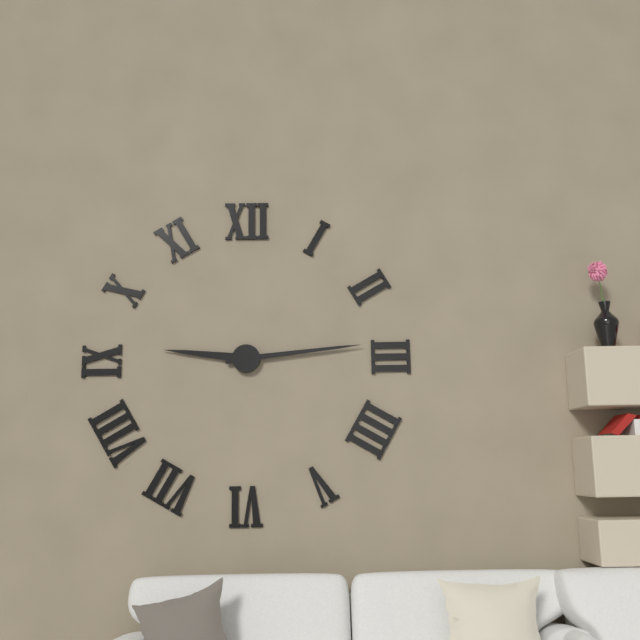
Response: 9:14
